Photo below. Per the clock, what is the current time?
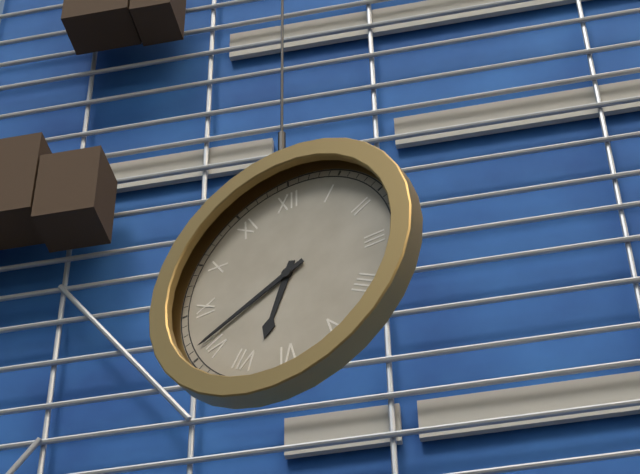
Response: 6:41
